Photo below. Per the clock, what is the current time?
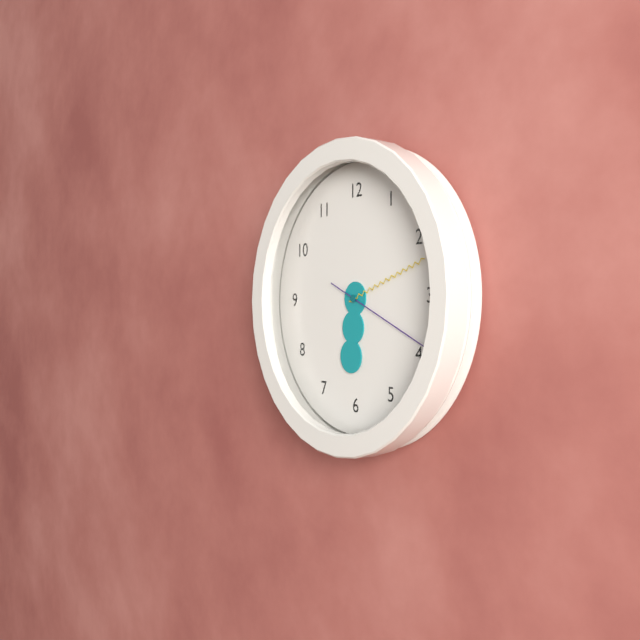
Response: 6:12:19
